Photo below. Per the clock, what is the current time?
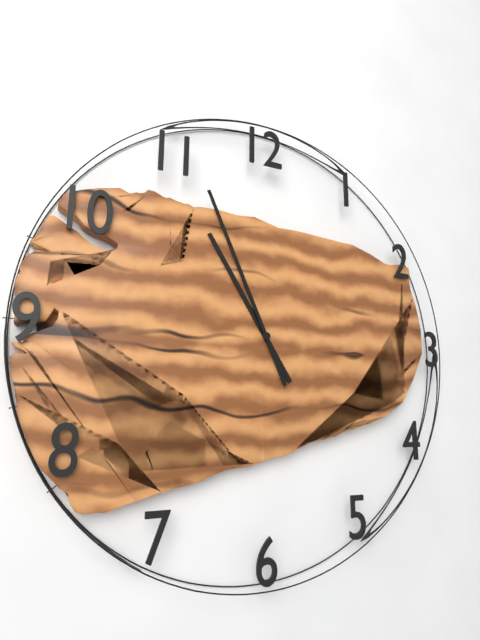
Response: 10:56
